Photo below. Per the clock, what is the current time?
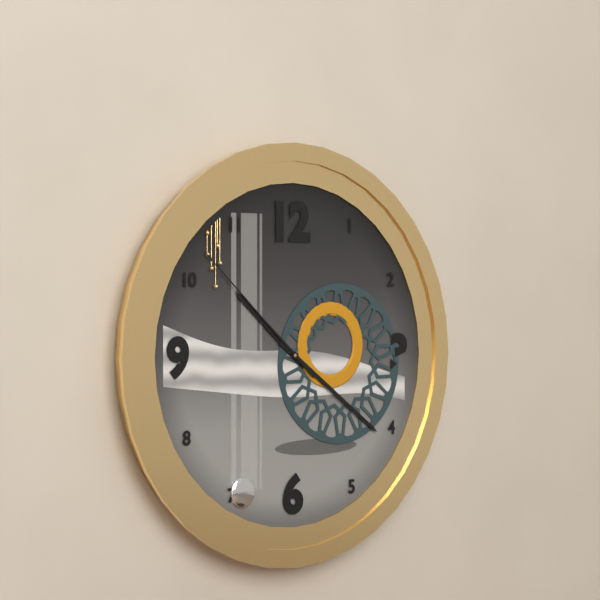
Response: 10:21:52
